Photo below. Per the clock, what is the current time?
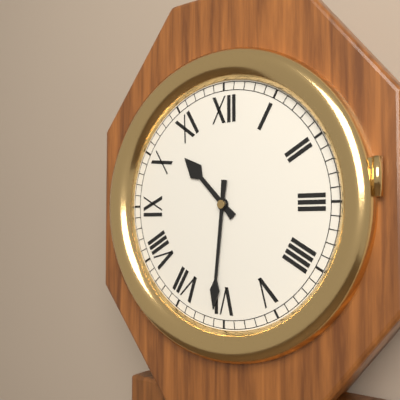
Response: 10:31
